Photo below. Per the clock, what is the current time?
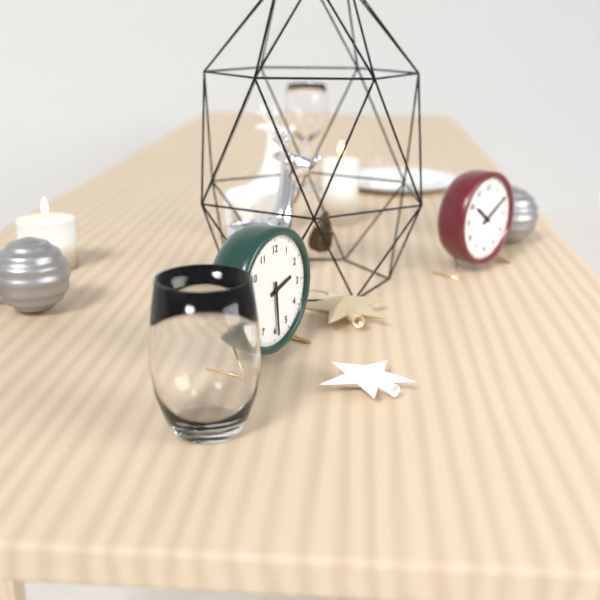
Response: 2:29
